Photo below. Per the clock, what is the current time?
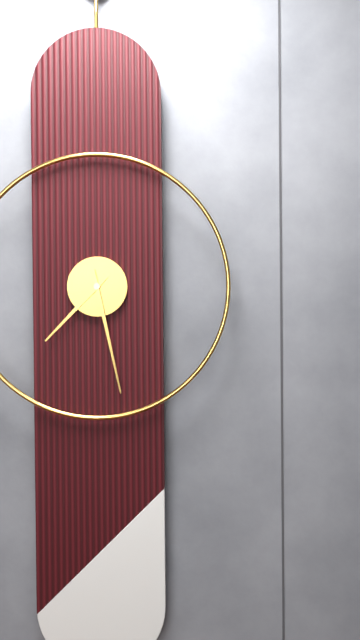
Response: 7:28
